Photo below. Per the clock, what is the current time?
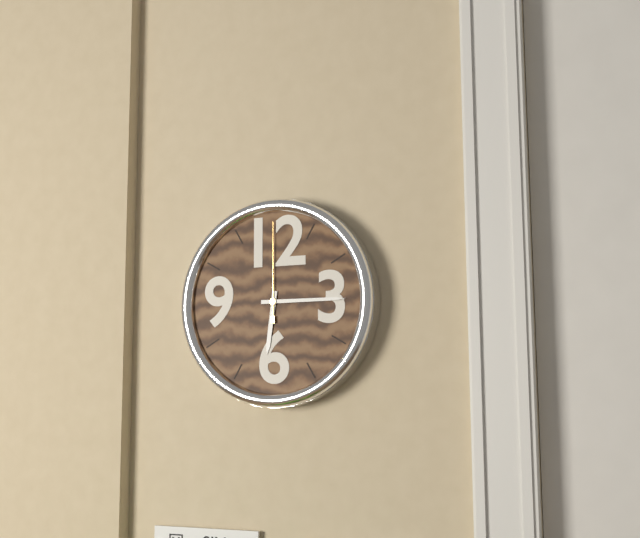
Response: 6:15:00
